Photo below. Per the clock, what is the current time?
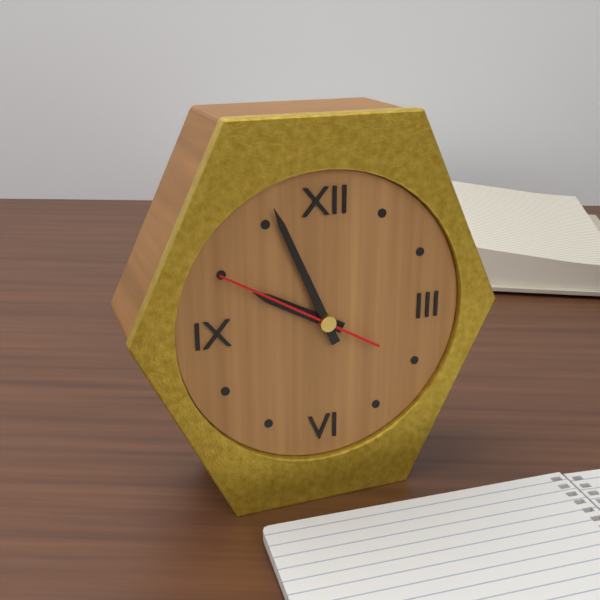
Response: 9:56:50
